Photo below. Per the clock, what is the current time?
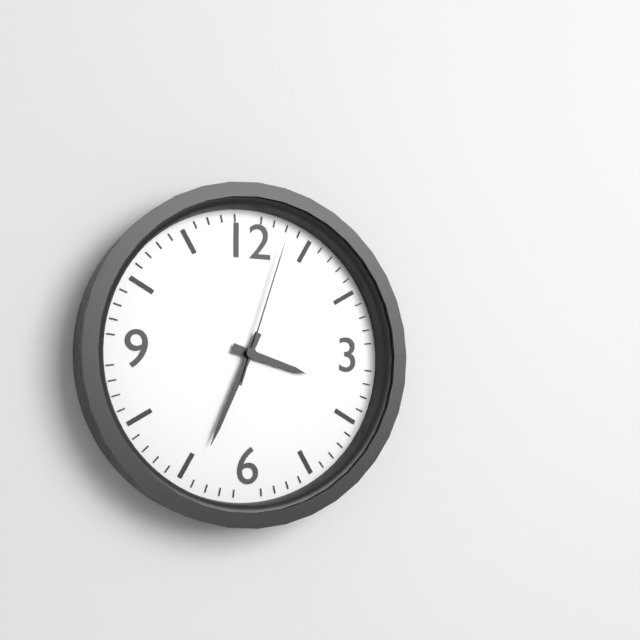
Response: 3:34:03
